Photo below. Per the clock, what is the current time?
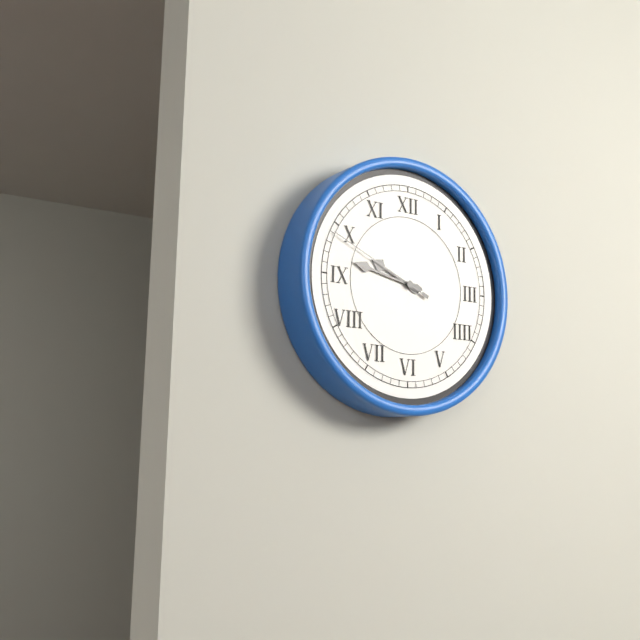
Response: 9:47:49
